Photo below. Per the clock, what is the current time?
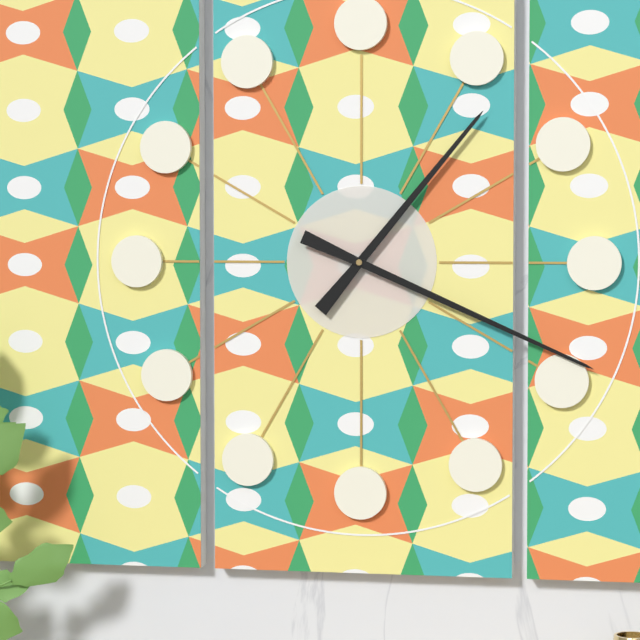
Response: 1:19
